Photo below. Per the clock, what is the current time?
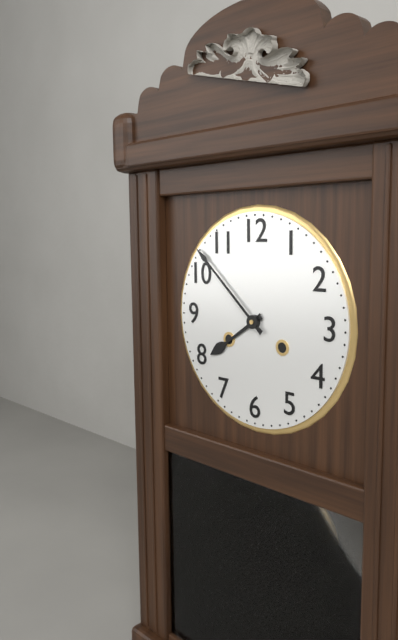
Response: 7:52
